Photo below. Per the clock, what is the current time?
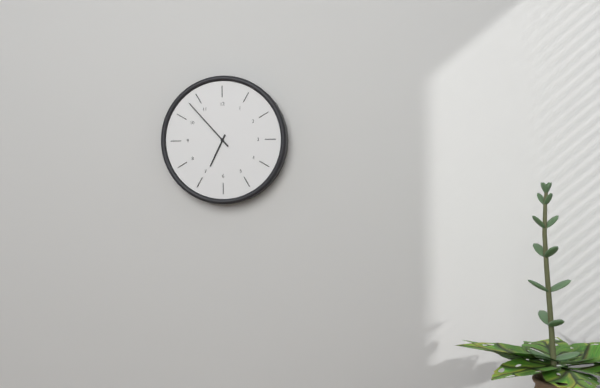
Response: 6:53
